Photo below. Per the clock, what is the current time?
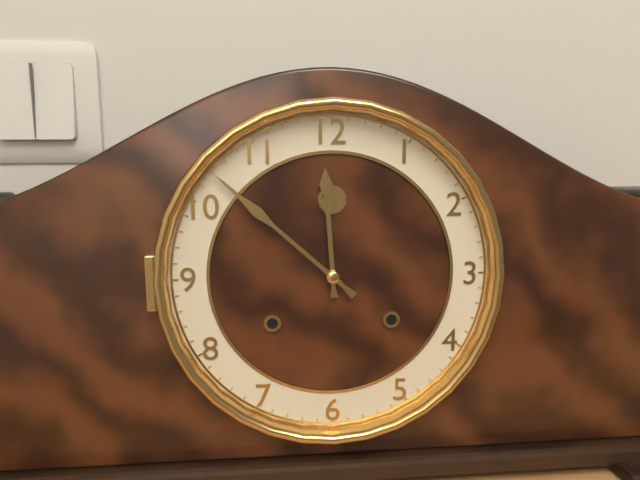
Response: 11:52
